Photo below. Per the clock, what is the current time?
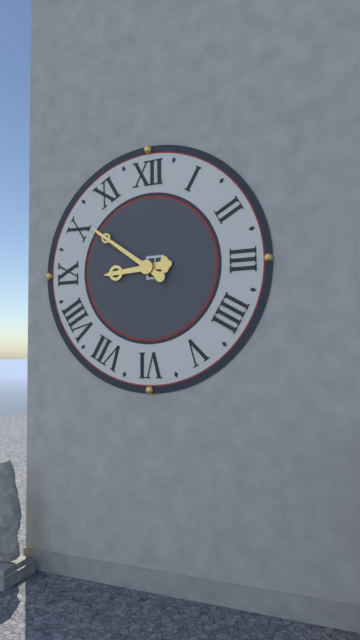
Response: 8:51
